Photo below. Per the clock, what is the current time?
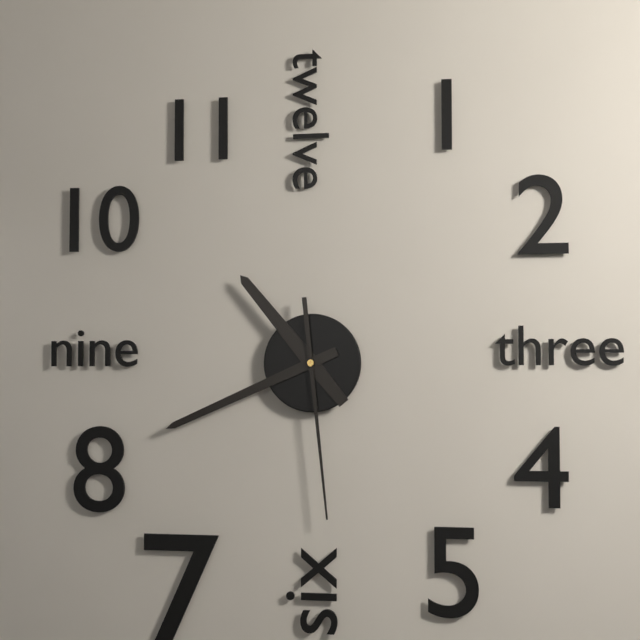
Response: 10:41:29
